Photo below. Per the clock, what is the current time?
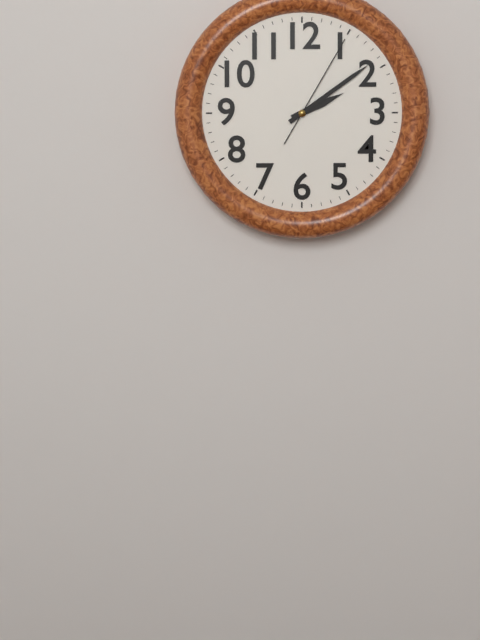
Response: 2:09:05
